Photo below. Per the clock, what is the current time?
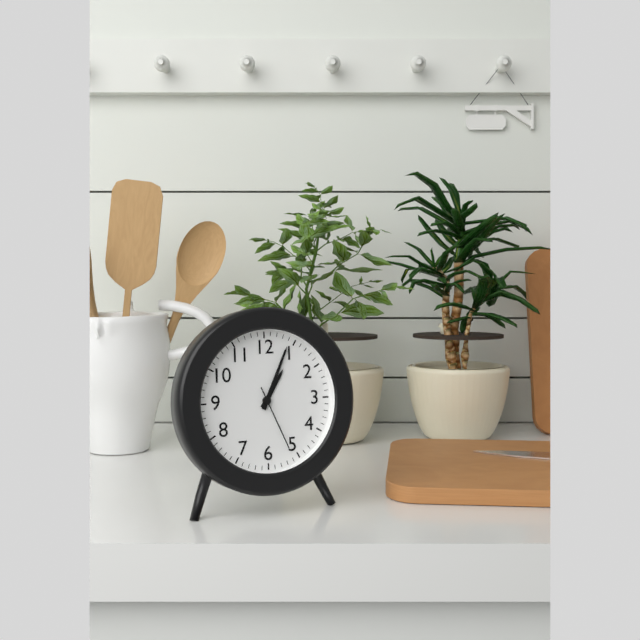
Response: 1:04:26
